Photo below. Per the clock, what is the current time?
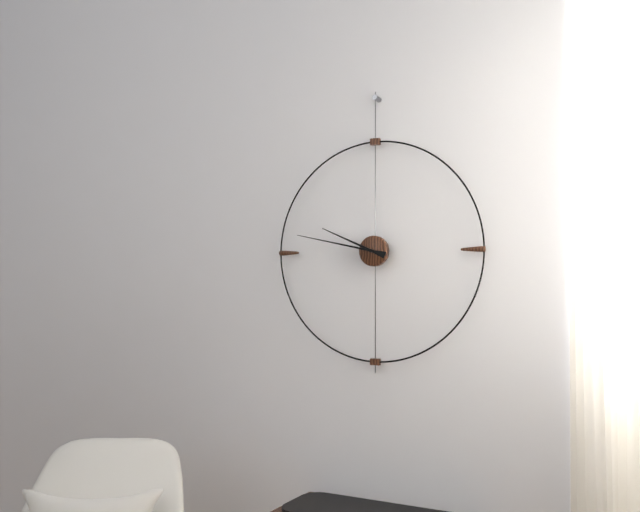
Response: 9:47
